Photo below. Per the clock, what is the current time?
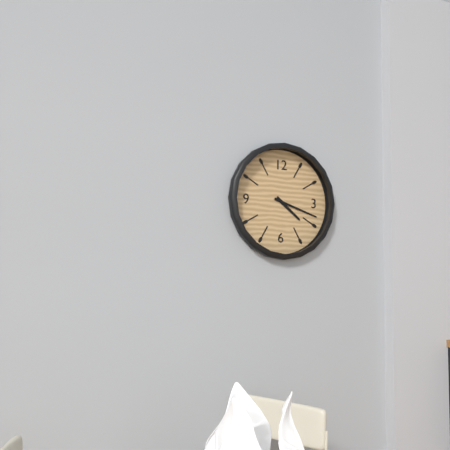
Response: 4:18
